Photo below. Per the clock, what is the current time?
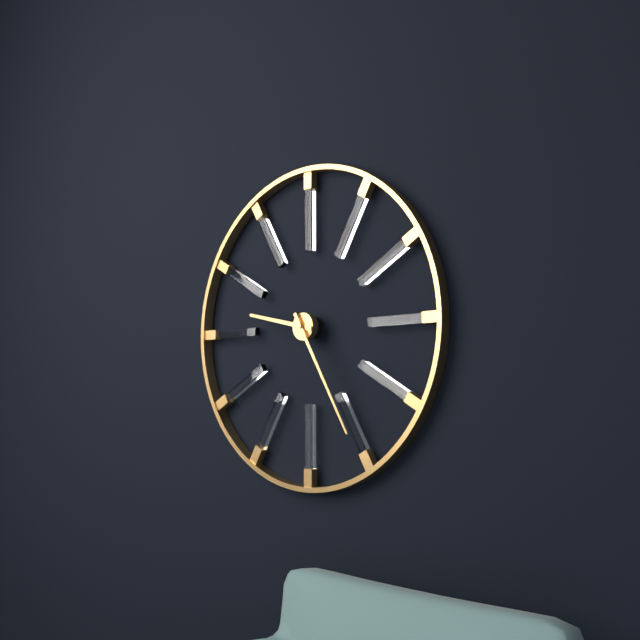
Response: 9:25
